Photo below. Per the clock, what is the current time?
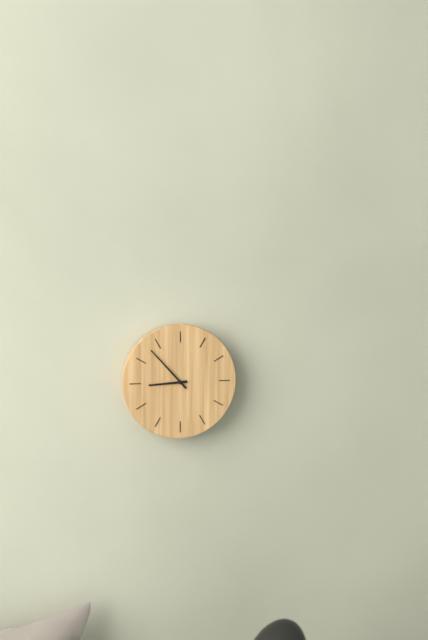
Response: 8:53
